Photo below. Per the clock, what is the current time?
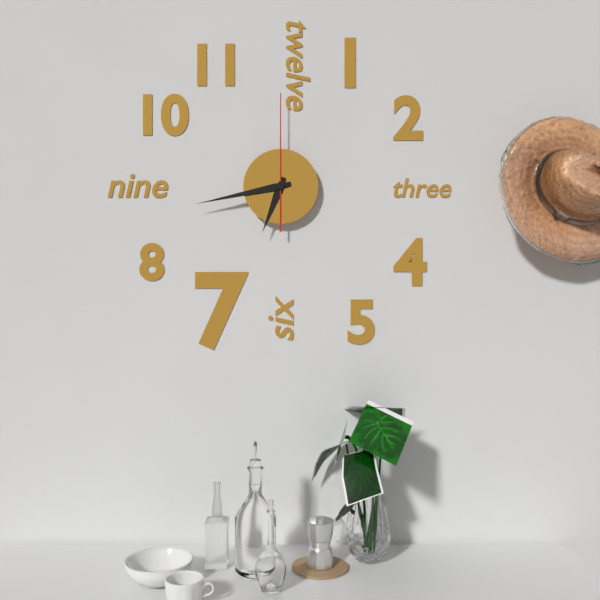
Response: 6:43:00
